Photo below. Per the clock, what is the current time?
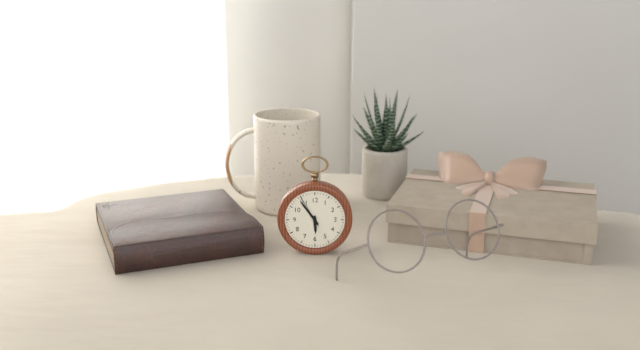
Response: 5:54
